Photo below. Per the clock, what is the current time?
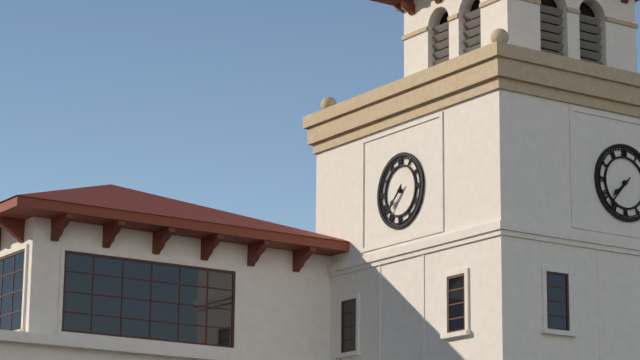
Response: 7:37
